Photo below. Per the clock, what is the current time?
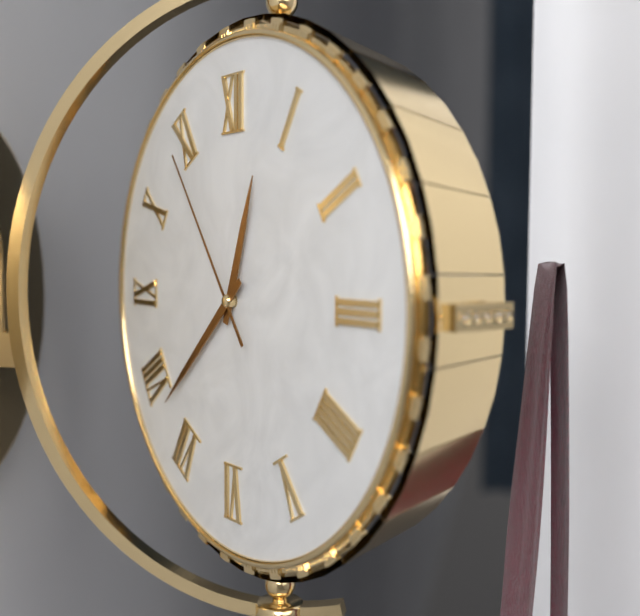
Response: 12:38:54
